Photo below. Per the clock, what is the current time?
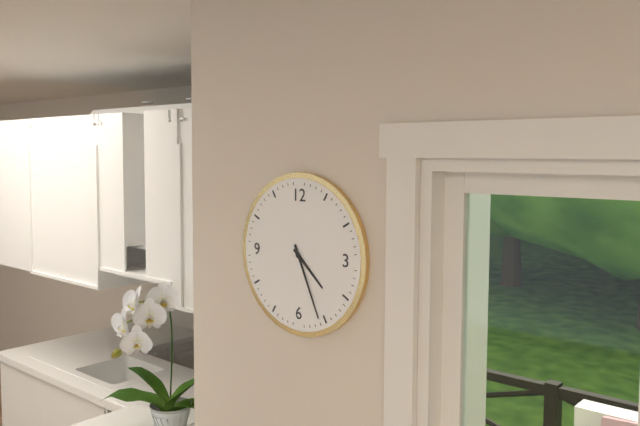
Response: 4:26
